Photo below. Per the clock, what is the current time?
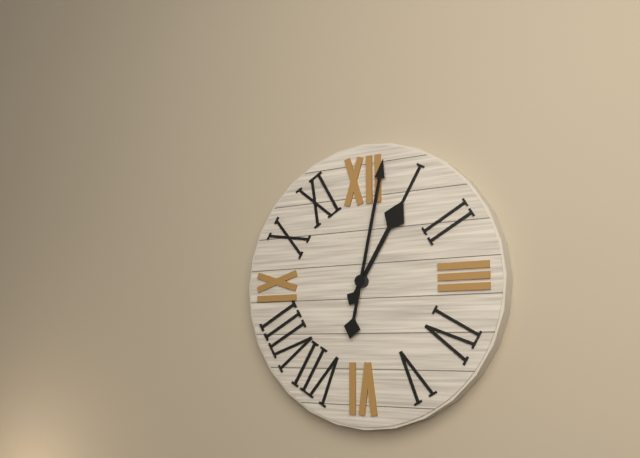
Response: 1:02
